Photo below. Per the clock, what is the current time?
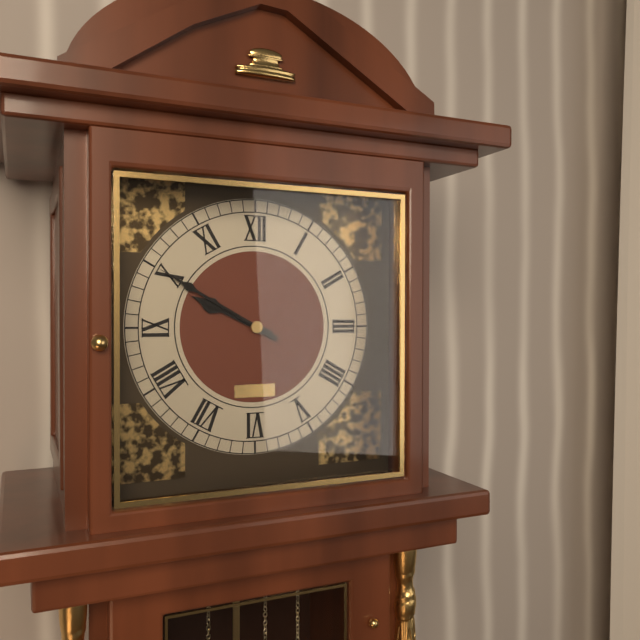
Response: 9:50
